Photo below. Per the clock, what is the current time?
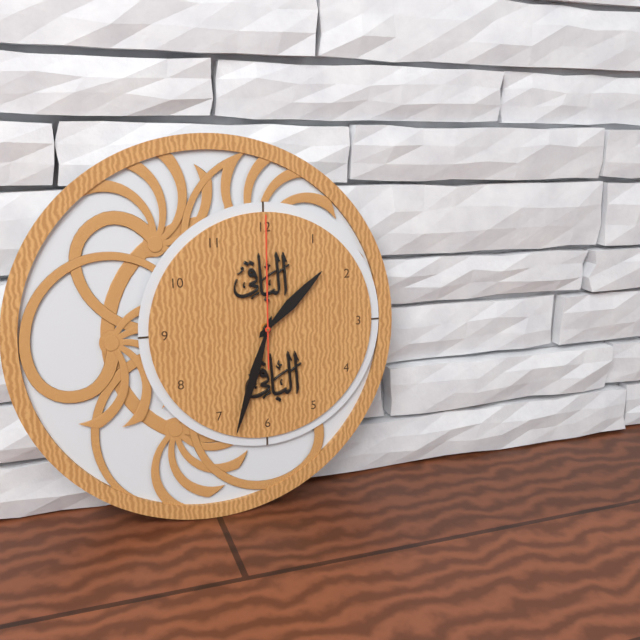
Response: 1:33:00
